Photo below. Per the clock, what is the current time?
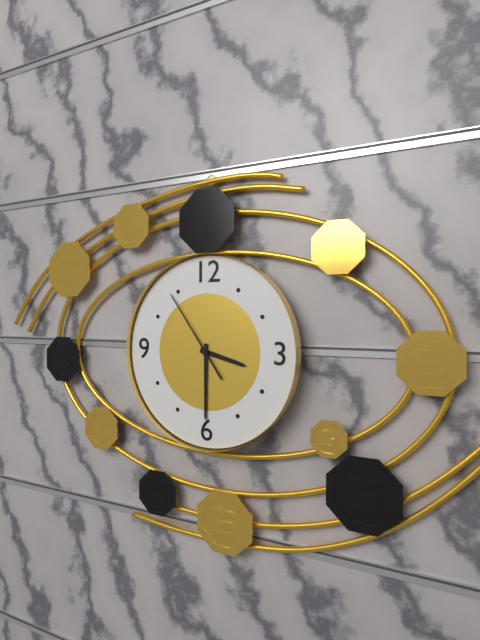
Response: 3:30:54
